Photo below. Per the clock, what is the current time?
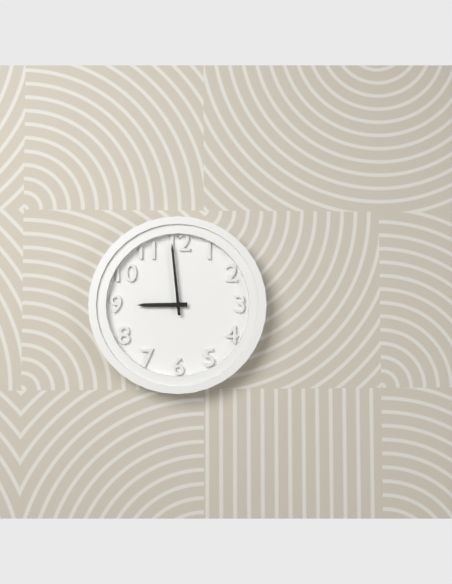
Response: 8:59
